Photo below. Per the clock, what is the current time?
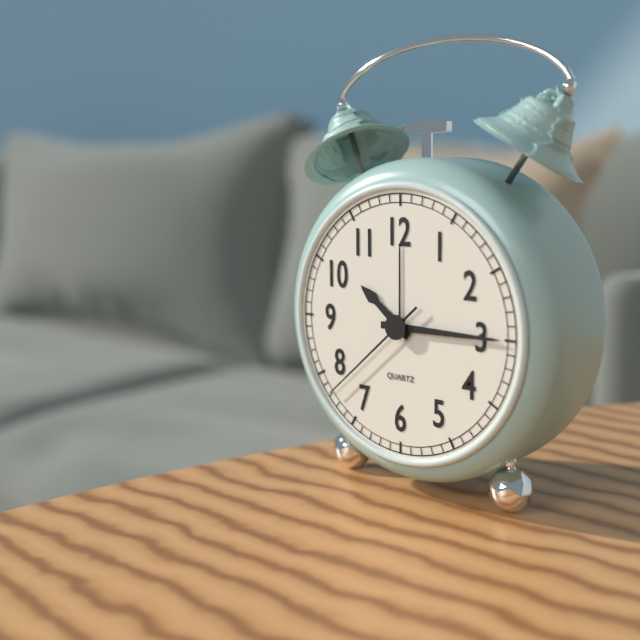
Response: 10:15:38
